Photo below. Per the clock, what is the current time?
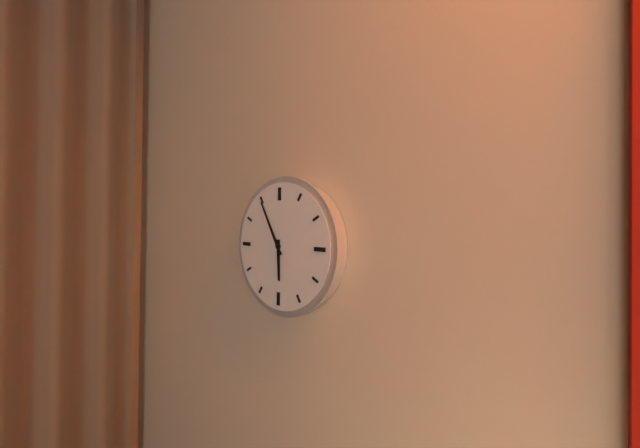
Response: 5:55
